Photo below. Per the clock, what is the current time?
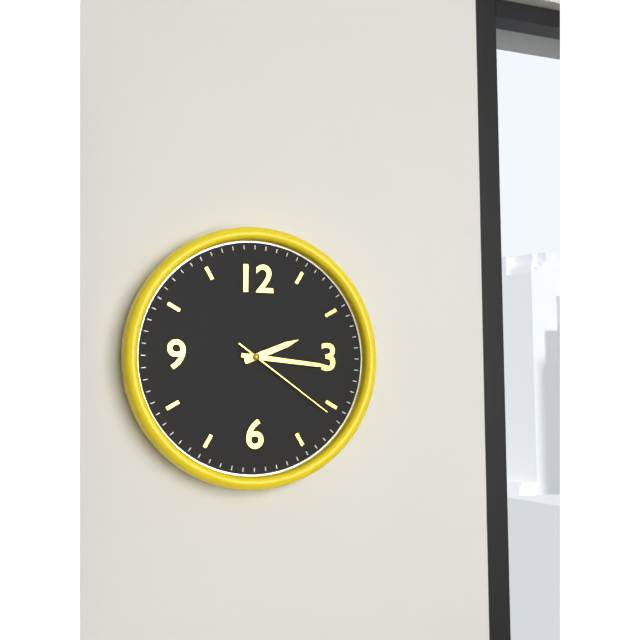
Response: 2:16:21
